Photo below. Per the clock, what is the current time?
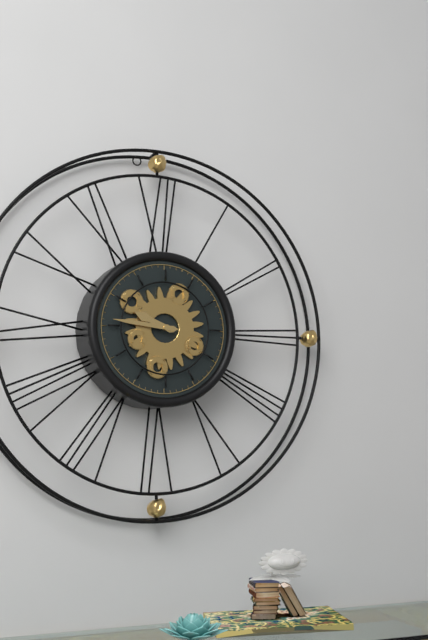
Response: 9:46
